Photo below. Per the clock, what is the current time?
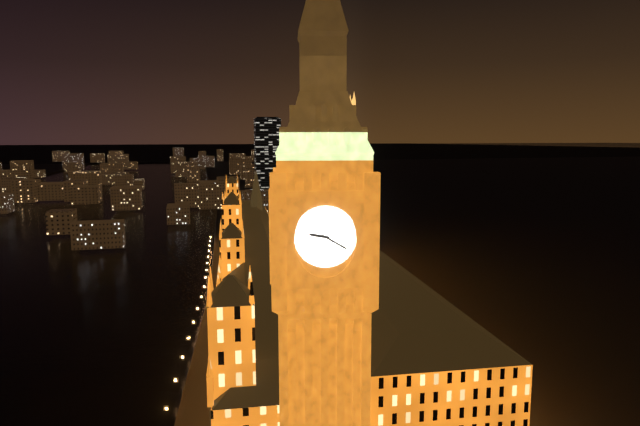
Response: 9:20
